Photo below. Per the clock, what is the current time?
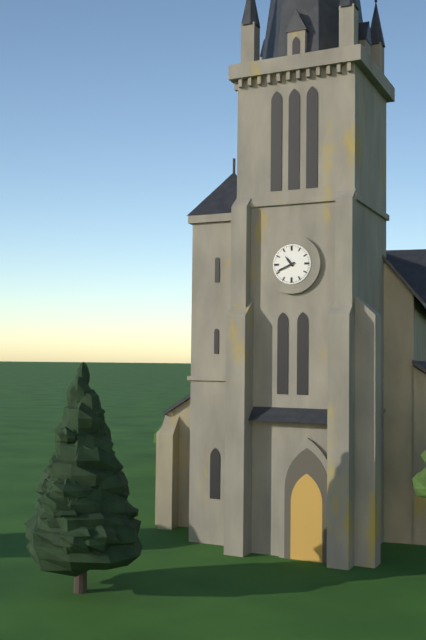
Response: 10:41
